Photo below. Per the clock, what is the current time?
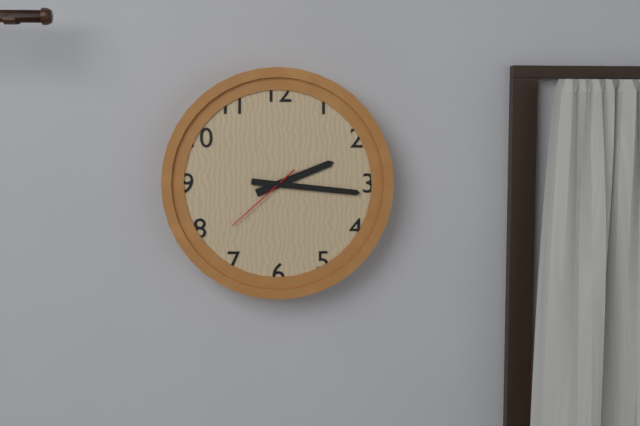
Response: 2:16:38
